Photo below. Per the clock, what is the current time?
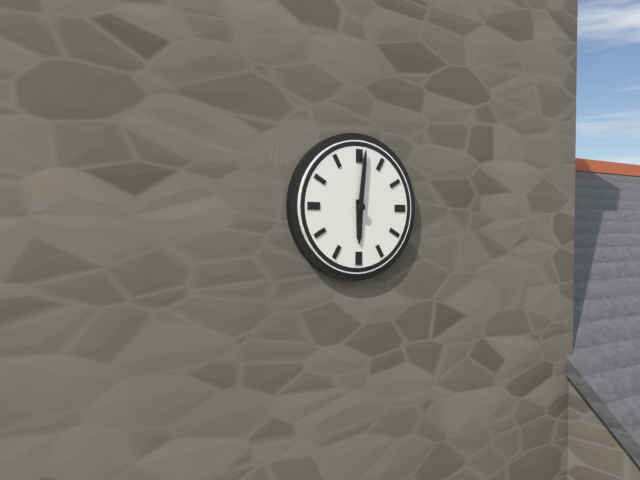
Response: 6:01
